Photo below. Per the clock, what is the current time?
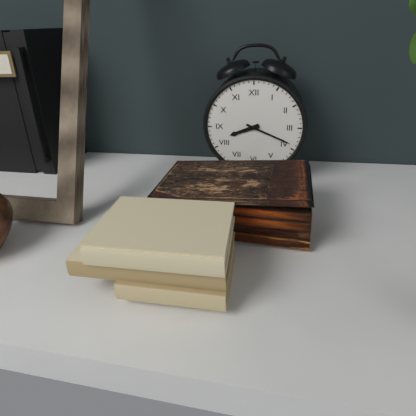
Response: 8:19
